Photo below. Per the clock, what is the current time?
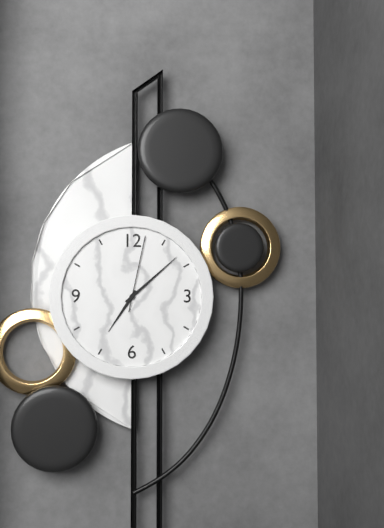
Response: 7:08:02
